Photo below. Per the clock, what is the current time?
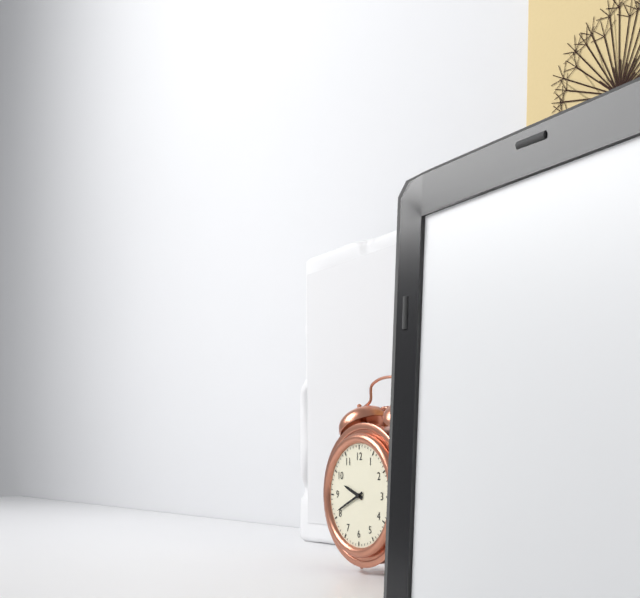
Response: 9:41
